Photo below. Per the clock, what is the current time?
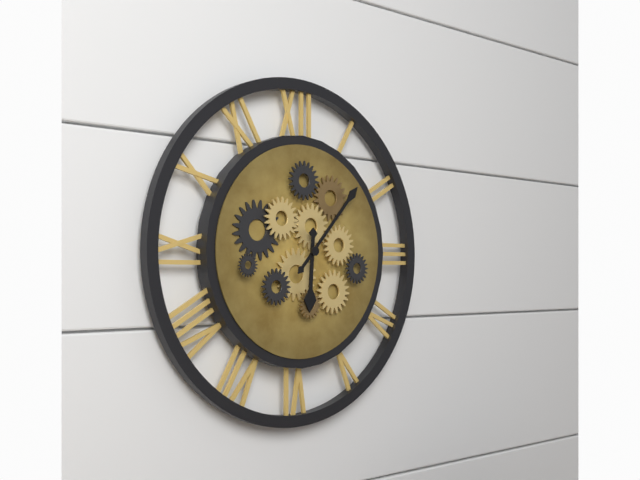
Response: 6:07
